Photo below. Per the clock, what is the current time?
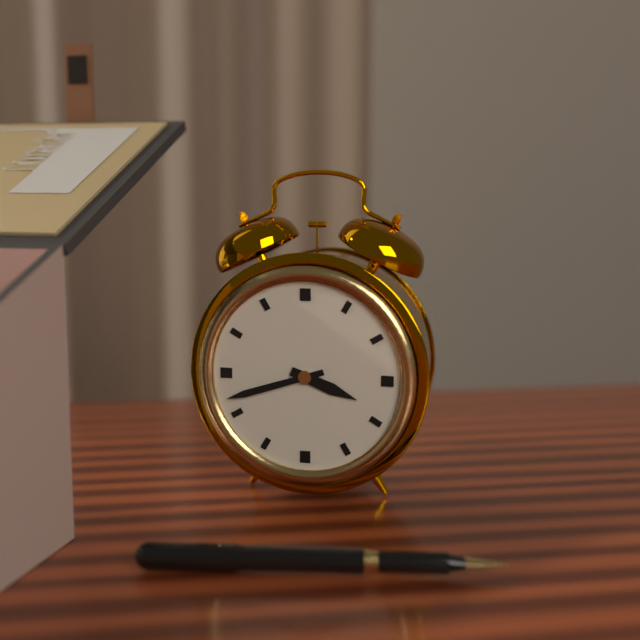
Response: 3:42
